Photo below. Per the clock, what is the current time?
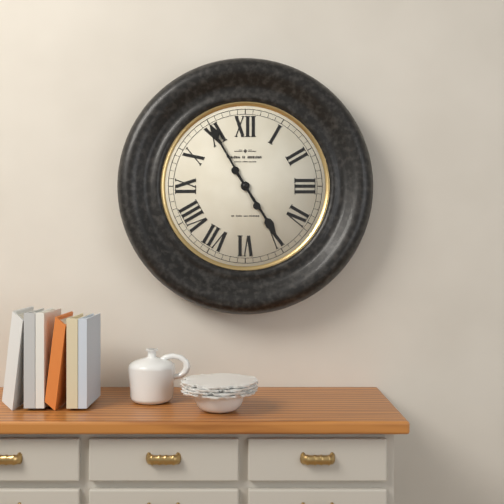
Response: 4:55
